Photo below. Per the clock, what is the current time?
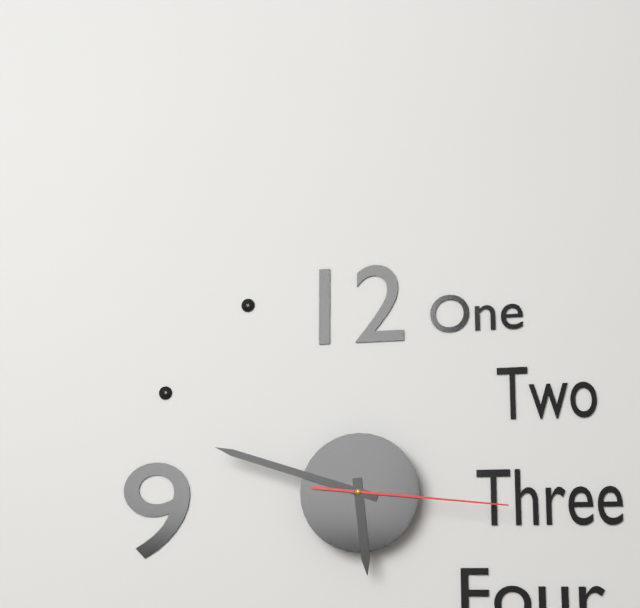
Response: 5:48:16
